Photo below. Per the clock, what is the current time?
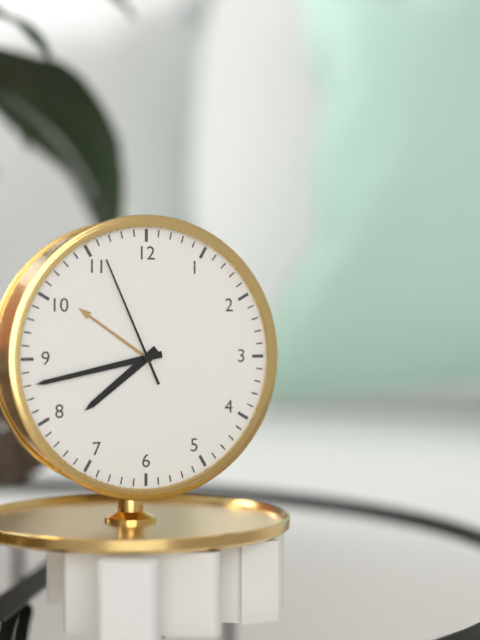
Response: 7:43:56
